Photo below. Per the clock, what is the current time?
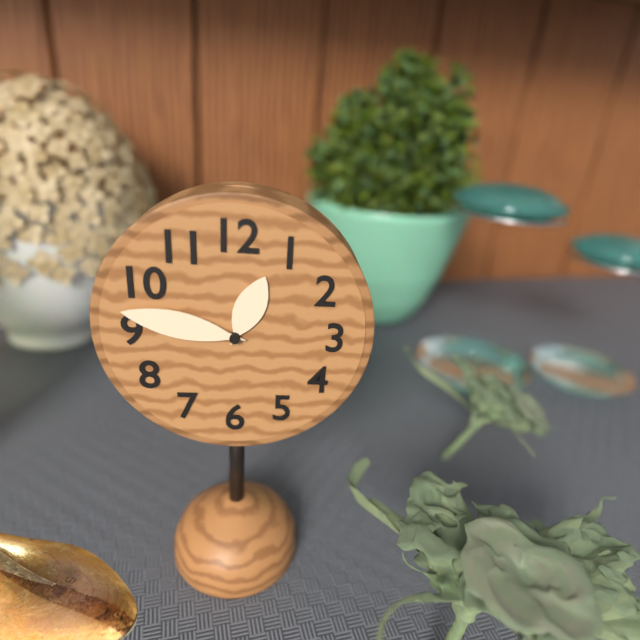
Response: 12:47
